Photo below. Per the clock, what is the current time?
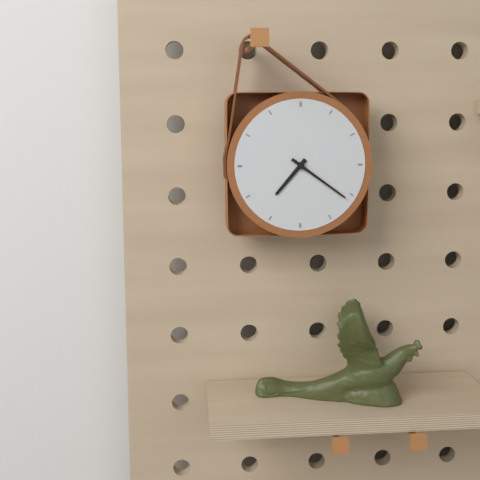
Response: 7:21
